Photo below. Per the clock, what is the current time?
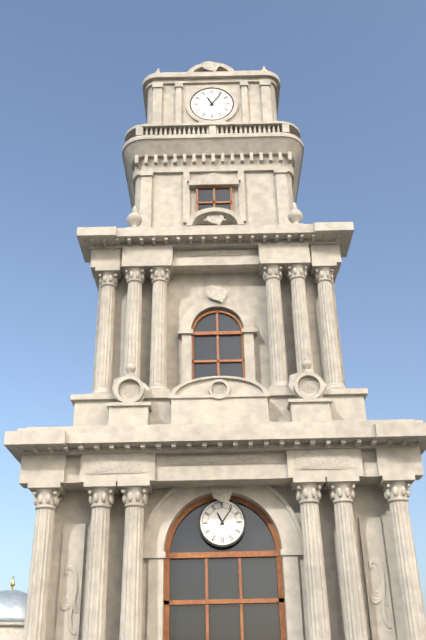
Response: 11:06
